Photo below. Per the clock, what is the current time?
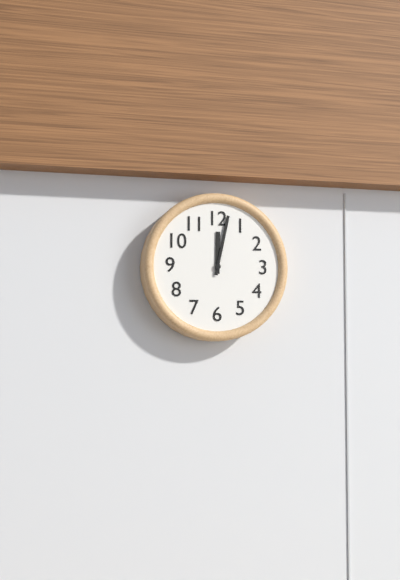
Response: 12:02
